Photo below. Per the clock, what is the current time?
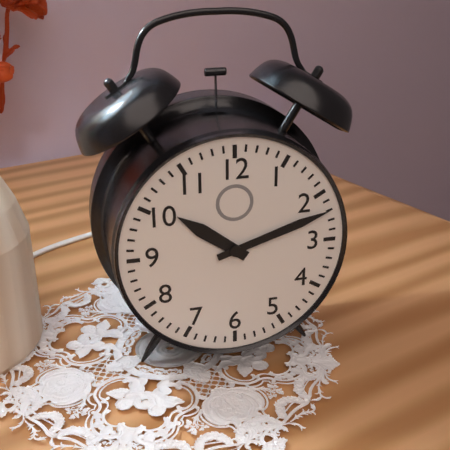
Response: 10:12
